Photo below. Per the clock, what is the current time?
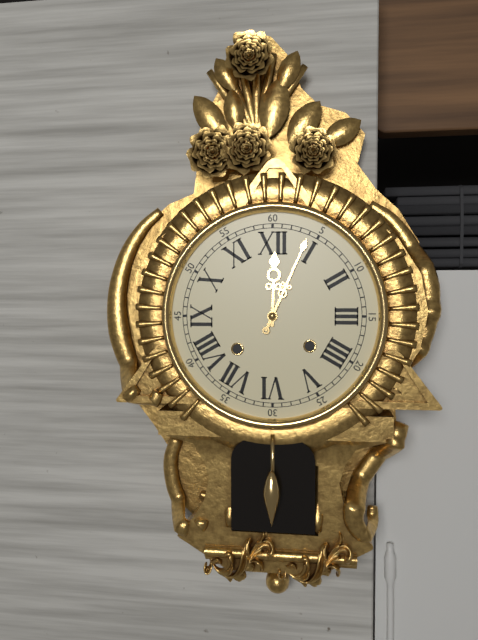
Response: 12:04
